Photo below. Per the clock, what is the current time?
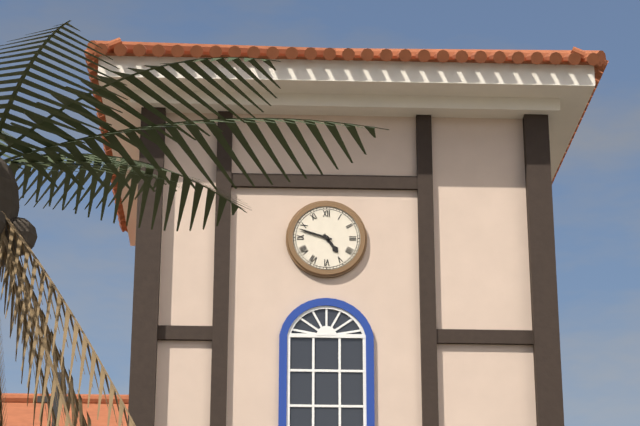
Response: 4:48
